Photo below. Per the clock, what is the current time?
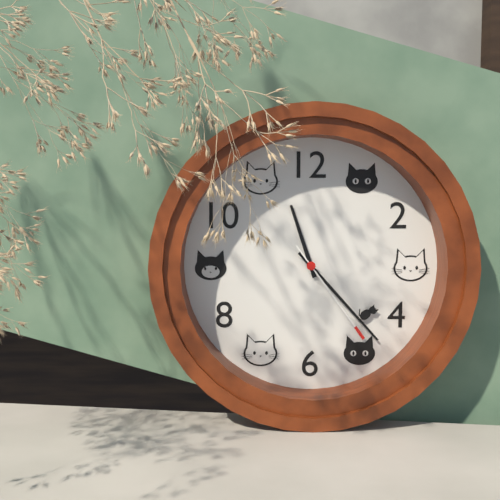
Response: 11:23:24
